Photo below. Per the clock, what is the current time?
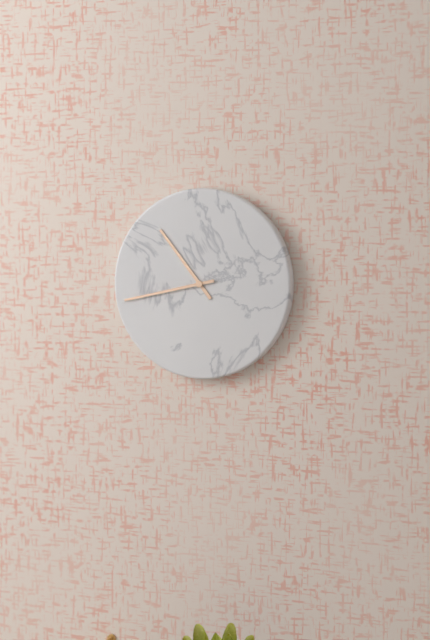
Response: 10:43
